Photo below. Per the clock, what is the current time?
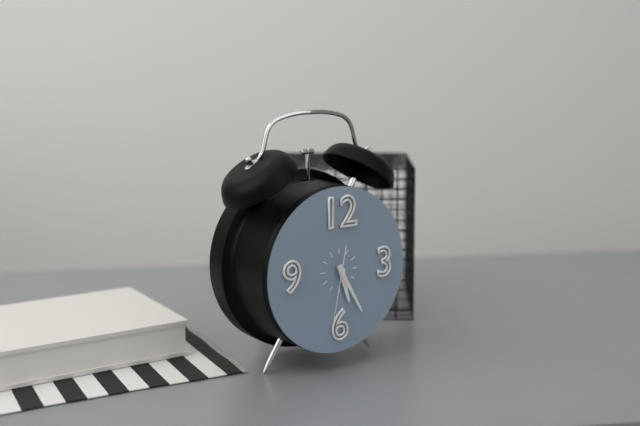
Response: 5:25:32
